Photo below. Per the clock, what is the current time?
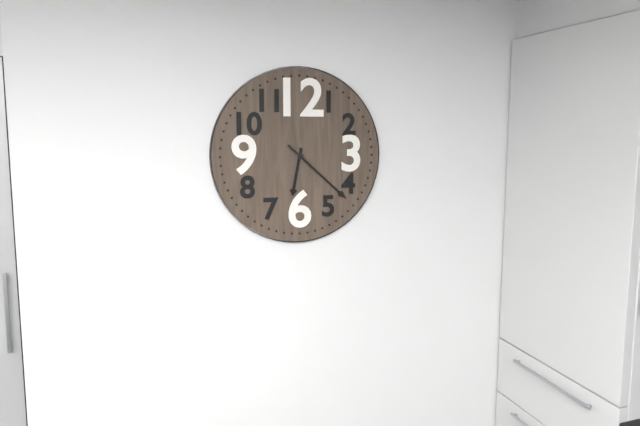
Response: 6:22
